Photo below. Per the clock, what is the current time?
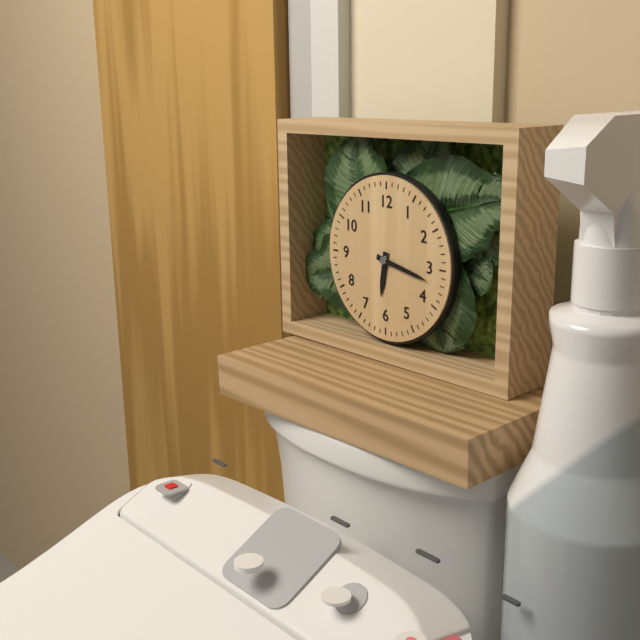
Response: 6:17
